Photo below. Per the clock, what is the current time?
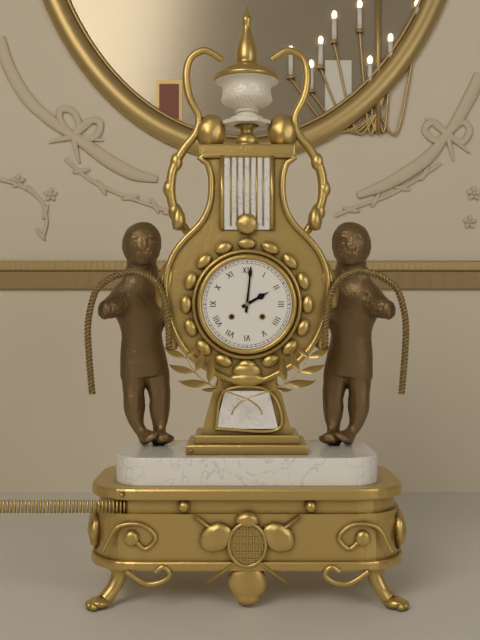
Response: 2:01
